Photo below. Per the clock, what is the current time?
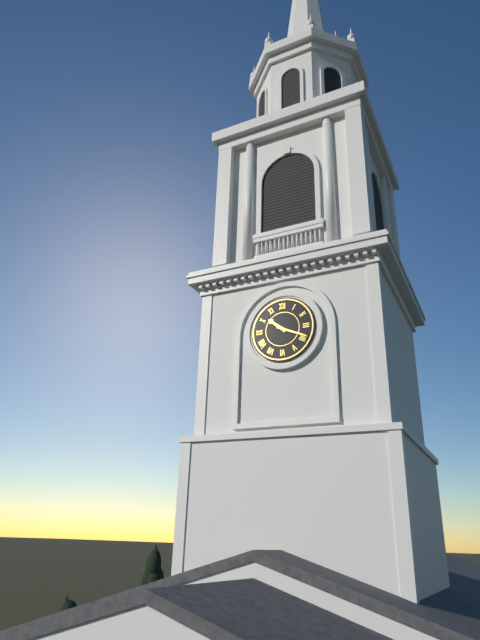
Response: 10:19
